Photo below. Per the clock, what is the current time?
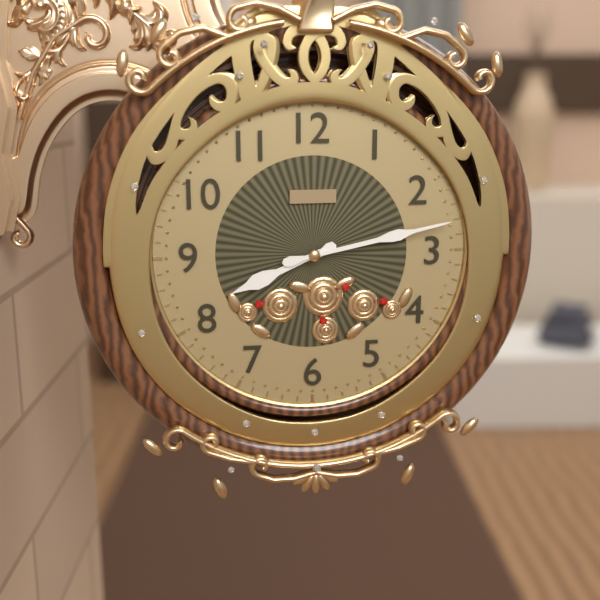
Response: 8:13
